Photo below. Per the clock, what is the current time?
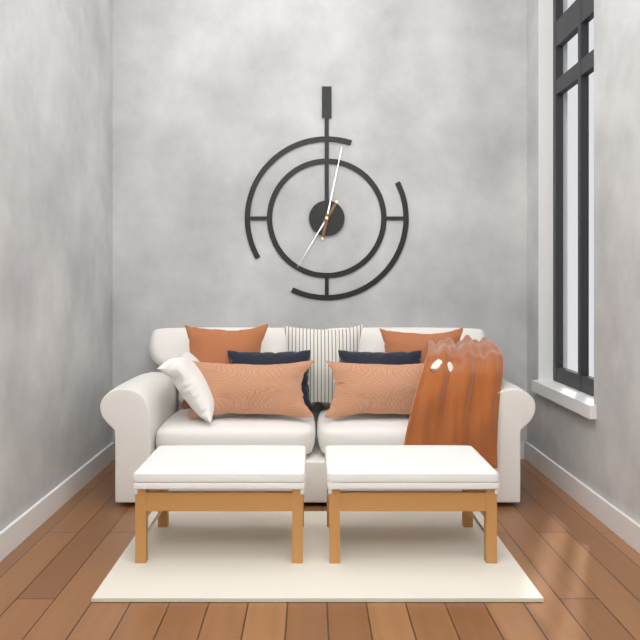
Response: 7:02
